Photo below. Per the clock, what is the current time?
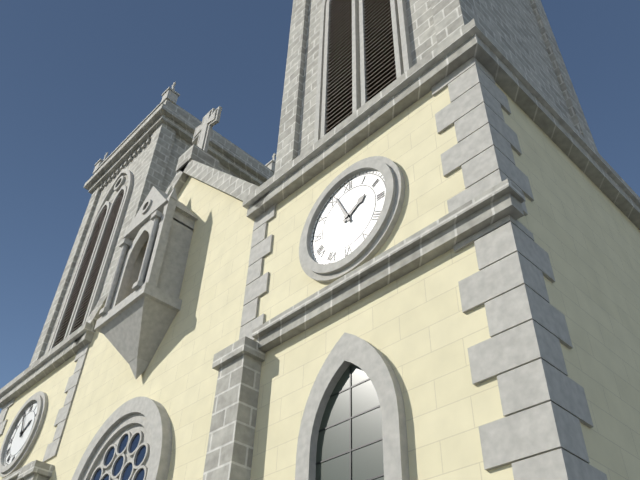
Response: 1:56
